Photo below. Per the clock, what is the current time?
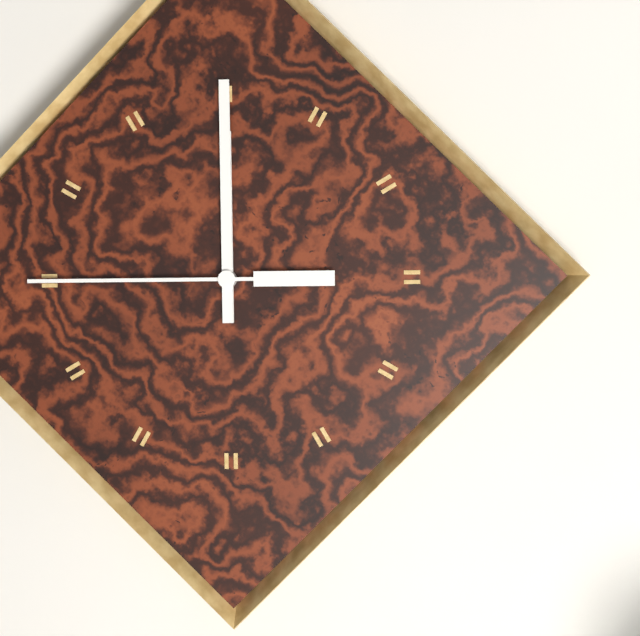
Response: 12:00:45
